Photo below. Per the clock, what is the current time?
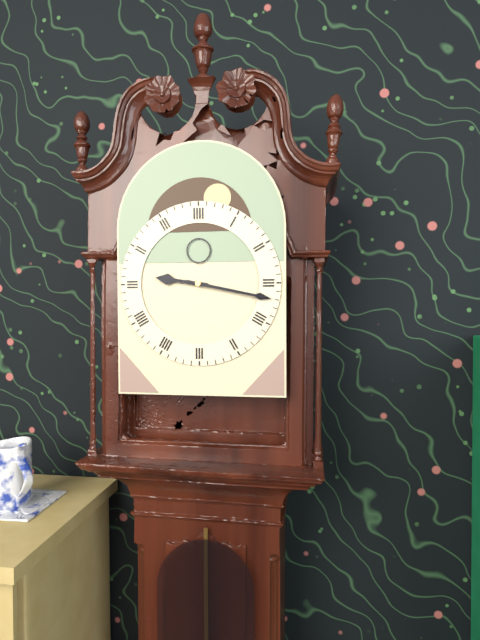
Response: 9:17
